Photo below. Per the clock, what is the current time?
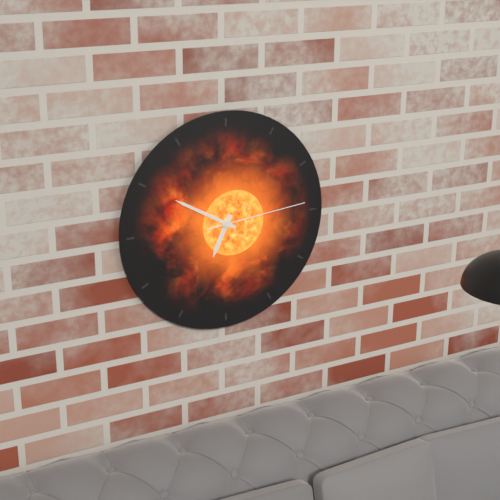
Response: 6:50:14
